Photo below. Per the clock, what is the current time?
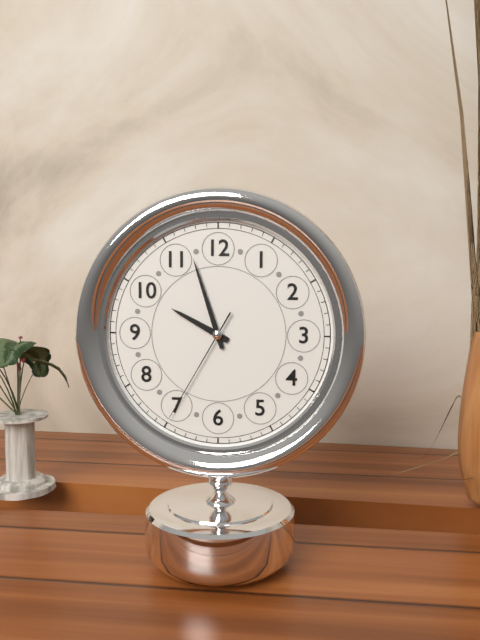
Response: 9:57:35
